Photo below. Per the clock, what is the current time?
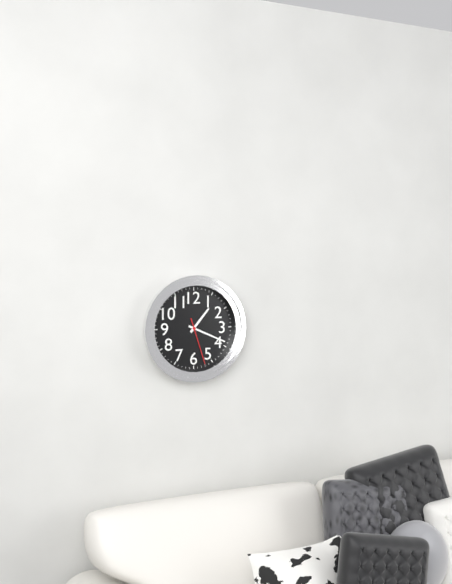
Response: 1:19
